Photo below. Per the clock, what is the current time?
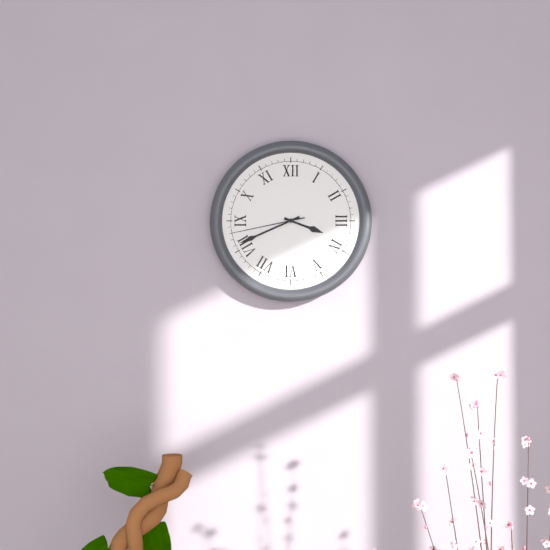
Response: 3:41:43
